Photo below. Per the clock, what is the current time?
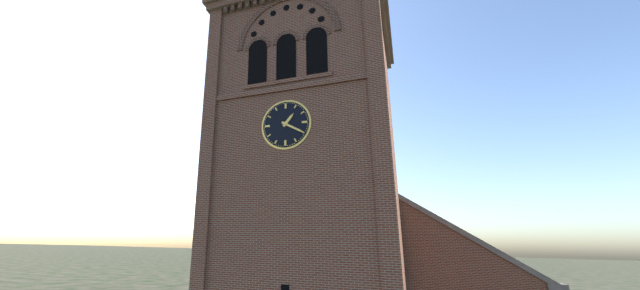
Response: 1:20
